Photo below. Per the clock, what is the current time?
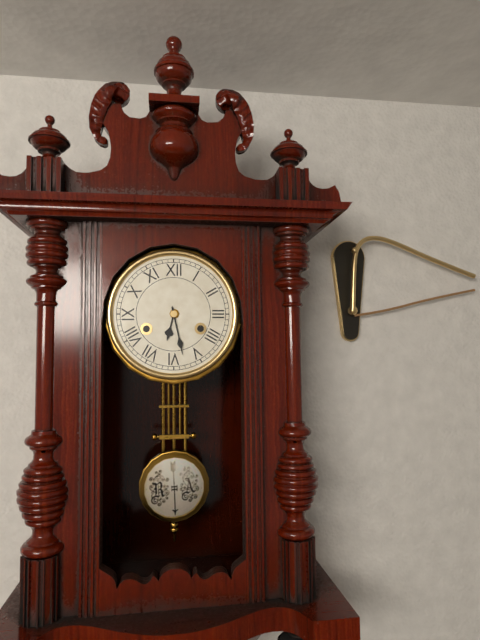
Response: 6:28
